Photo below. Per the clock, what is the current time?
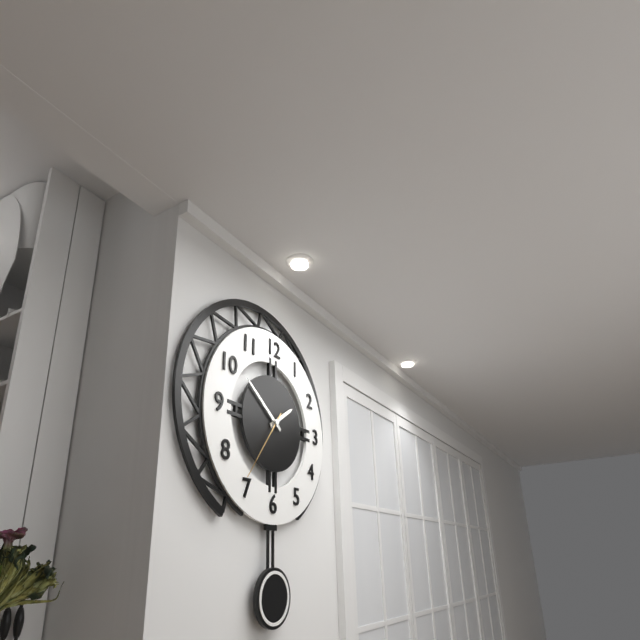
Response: 1:51:36
